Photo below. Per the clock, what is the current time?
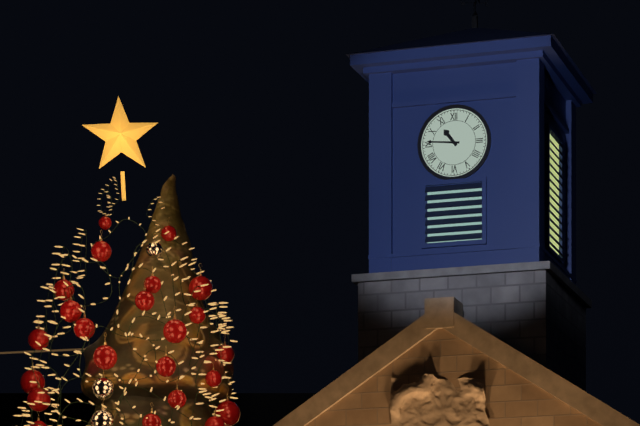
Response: 10:46
